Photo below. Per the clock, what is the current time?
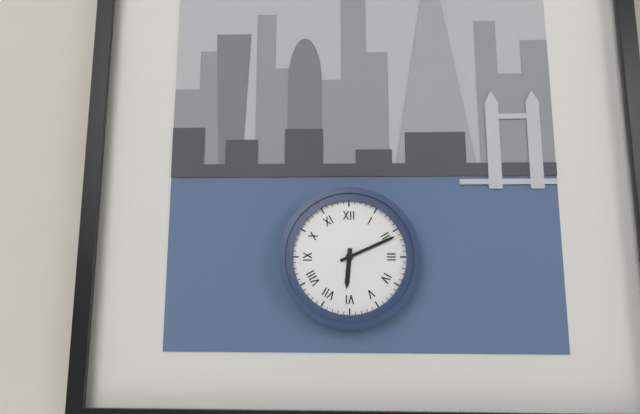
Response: 6:11
